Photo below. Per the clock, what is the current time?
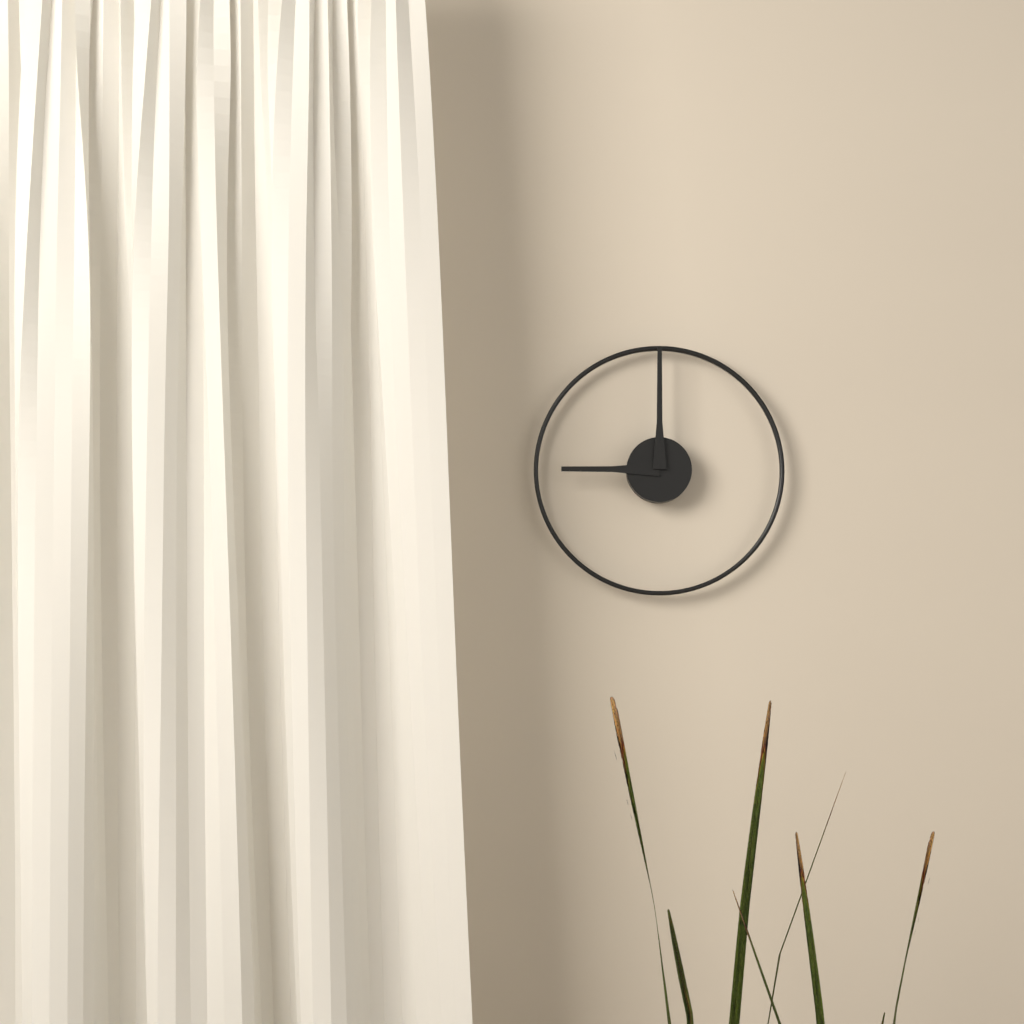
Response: 9:00
